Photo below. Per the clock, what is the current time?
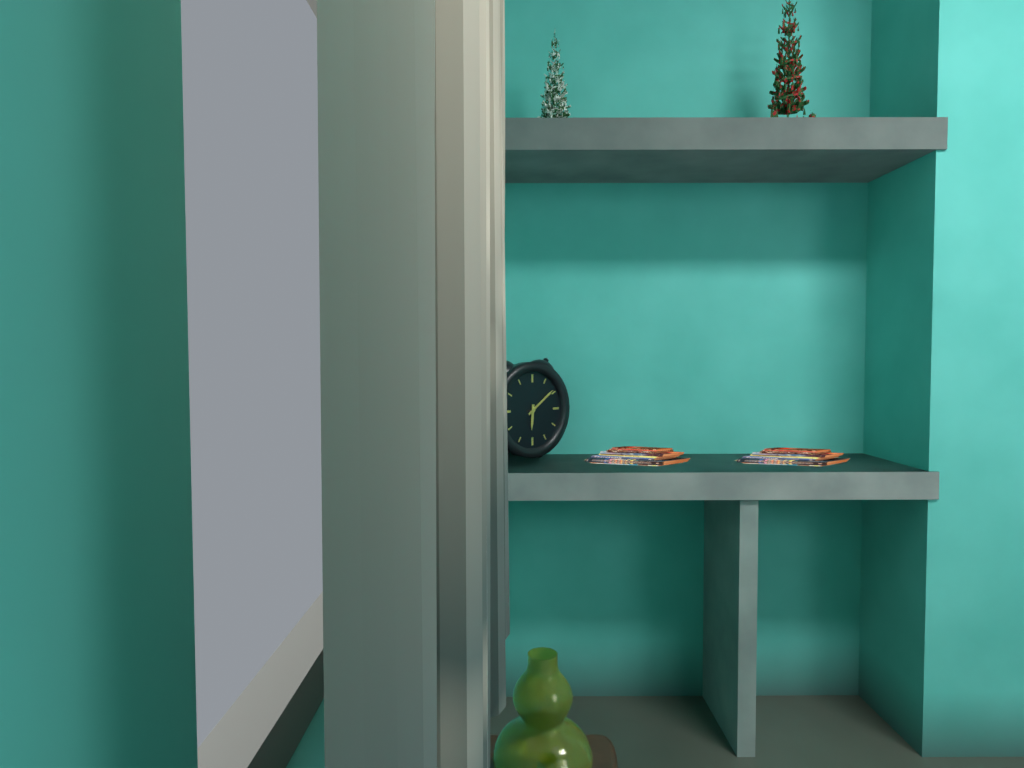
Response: 6:09
